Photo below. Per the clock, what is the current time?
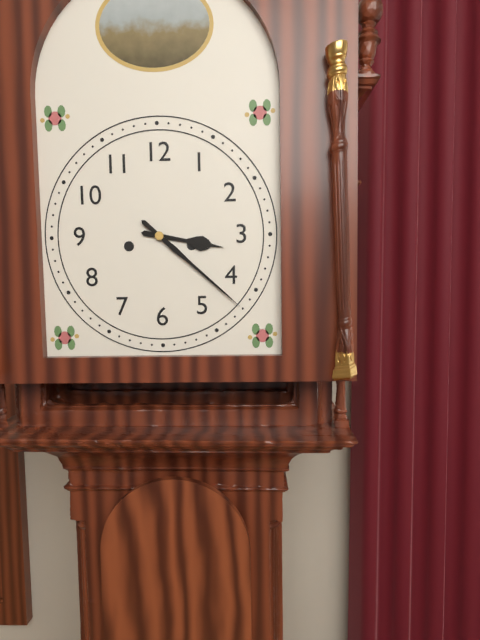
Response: 3:22
